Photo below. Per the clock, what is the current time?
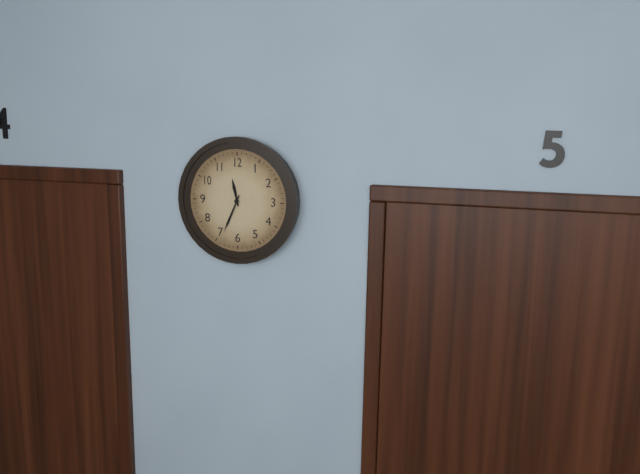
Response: 11:34
